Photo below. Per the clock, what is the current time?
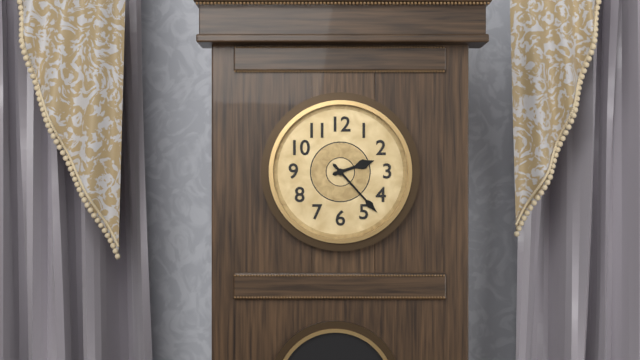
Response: 2:23
